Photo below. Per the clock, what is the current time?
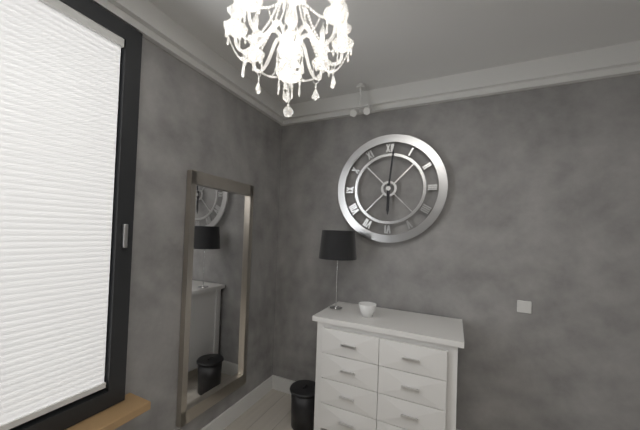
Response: 6:01
